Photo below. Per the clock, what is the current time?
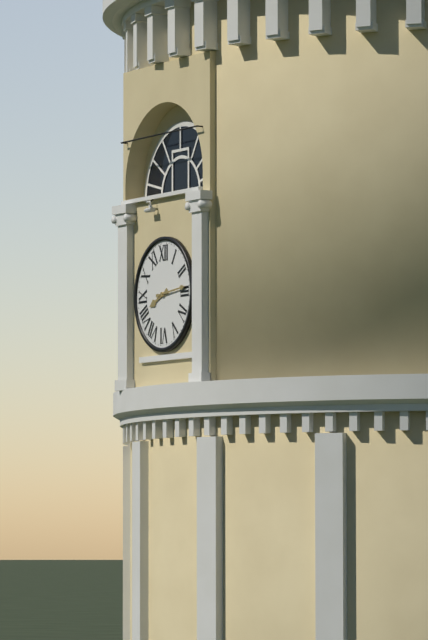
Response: 8:14
